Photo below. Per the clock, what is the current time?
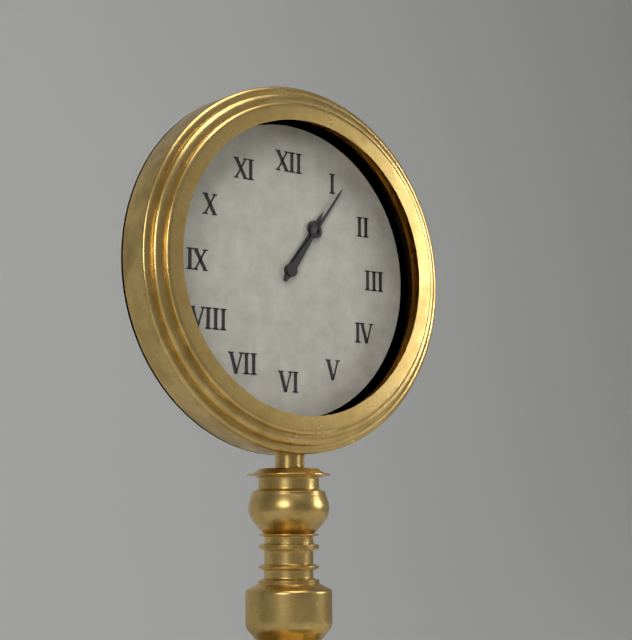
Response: 1:06
